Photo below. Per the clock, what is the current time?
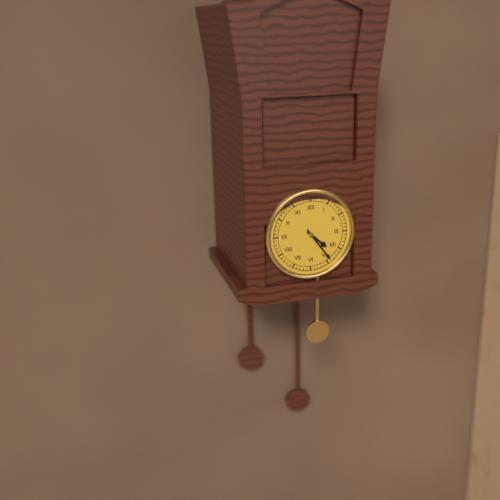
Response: 4:24
